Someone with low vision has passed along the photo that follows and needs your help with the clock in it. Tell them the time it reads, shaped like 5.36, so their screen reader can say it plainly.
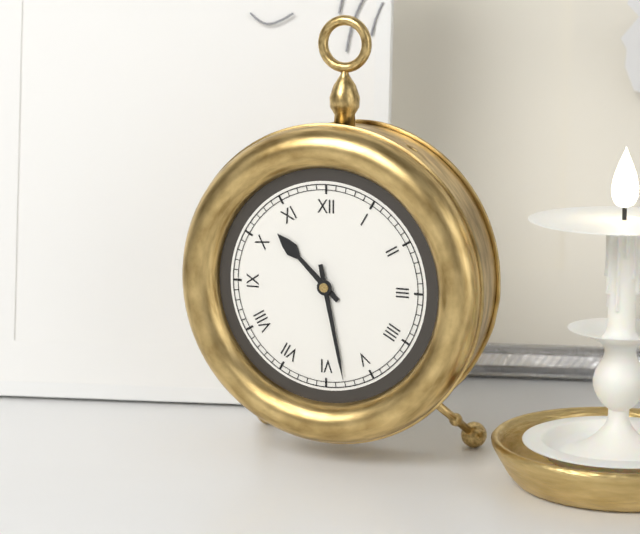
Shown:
10.28
